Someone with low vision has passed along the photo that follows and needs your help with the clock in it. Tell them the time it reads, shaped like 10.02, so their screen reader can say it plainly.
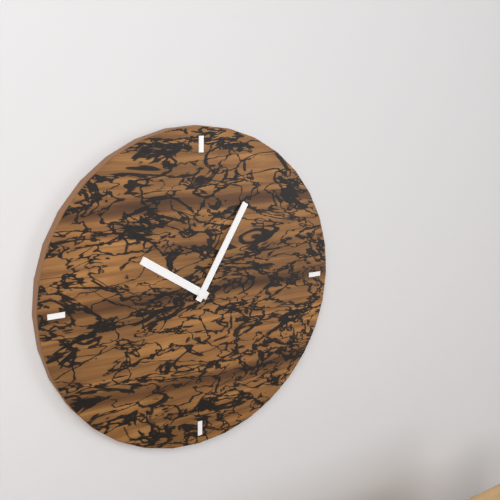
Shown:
10.05
